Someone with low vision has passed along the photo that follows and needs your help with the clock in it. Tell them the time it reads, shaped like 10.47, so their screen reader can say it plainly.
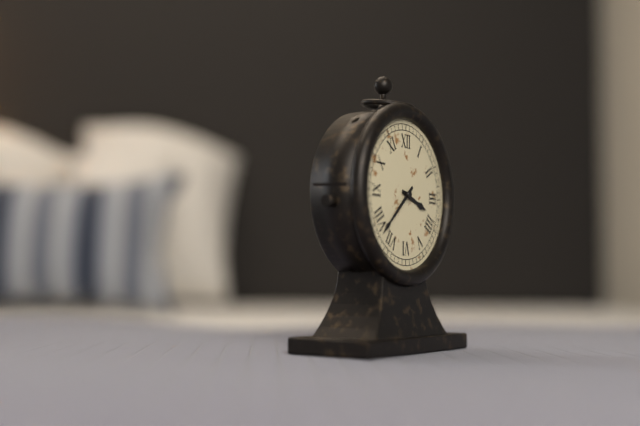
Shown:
3.38
